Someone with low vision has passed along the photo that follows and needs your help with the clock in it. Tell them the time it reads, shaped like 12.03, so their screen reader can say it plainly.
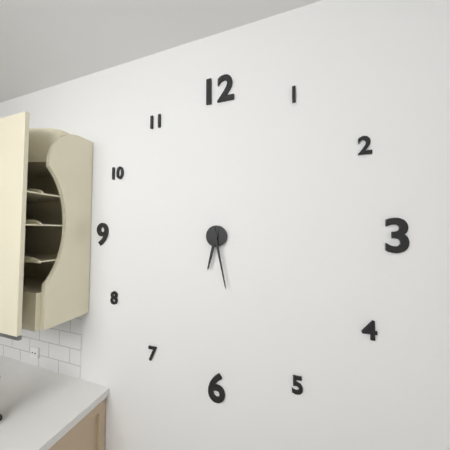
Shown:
6.28
